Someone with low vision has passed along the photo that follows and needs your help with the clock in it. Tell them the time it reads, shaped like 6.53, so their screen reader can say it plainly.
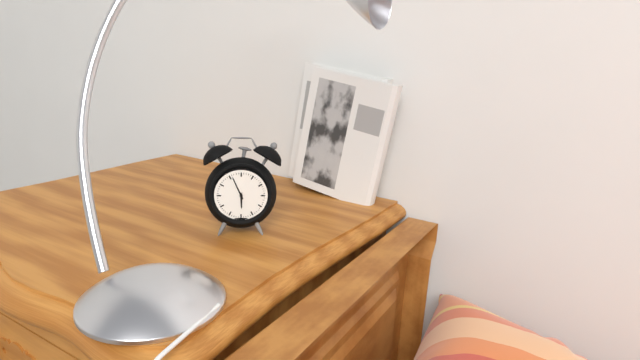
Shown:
5.56
